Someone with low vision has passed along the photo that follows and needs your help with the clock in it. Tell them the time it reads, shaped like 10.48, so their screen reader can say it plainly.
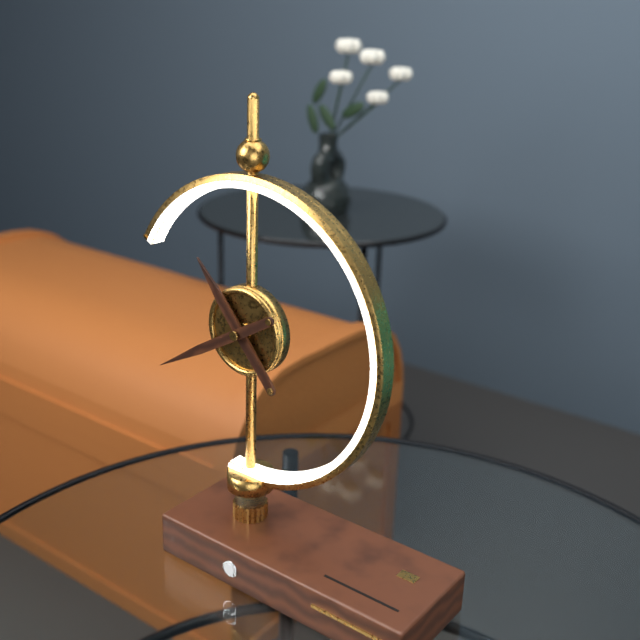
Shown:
10.40
